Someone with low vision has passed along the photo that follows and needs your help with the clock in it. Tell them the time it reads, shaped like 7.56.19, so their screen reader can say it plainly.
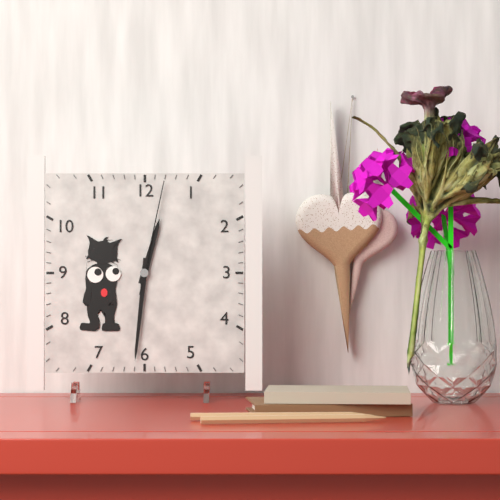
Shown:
12.31.02
